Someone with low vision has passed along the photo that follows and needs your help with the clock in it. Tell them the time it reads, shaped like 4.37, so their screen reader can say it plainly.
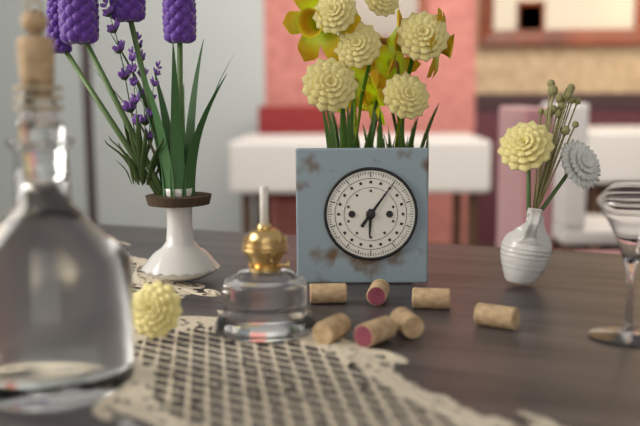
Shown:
6.06
